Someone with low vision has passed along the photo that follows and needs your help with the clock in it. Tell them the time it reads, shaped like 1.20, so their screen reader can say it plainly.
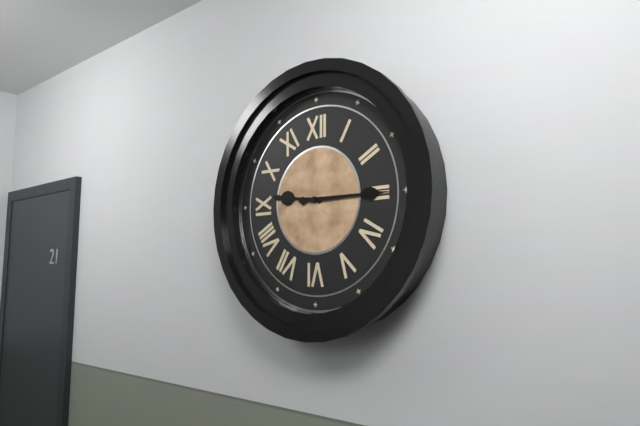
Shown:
9.15
